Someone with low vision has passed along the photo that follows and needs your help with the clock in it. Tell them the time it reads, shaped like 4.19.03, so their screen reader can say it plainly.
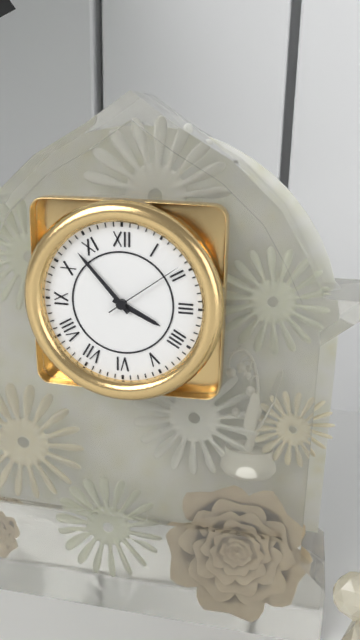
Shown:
3.53.09
